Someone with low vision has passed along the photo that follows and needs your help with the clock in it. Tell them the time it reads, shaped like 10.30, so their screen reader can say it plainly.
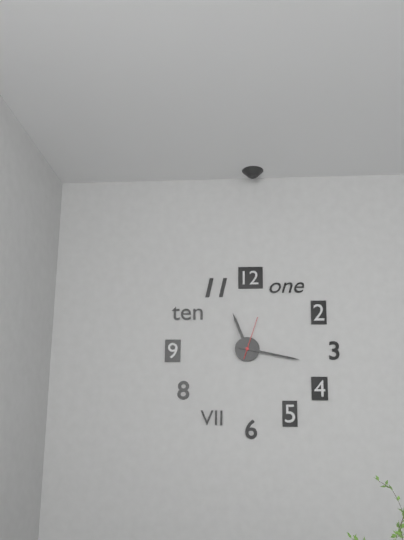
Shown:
11.17
